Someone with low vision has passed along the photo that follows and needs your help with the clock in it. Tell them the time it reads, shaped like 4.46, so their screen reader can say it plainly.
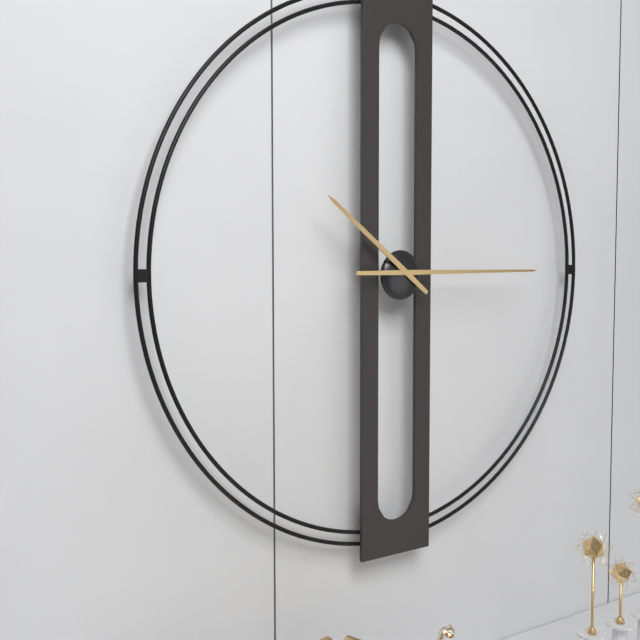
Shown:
10.15
